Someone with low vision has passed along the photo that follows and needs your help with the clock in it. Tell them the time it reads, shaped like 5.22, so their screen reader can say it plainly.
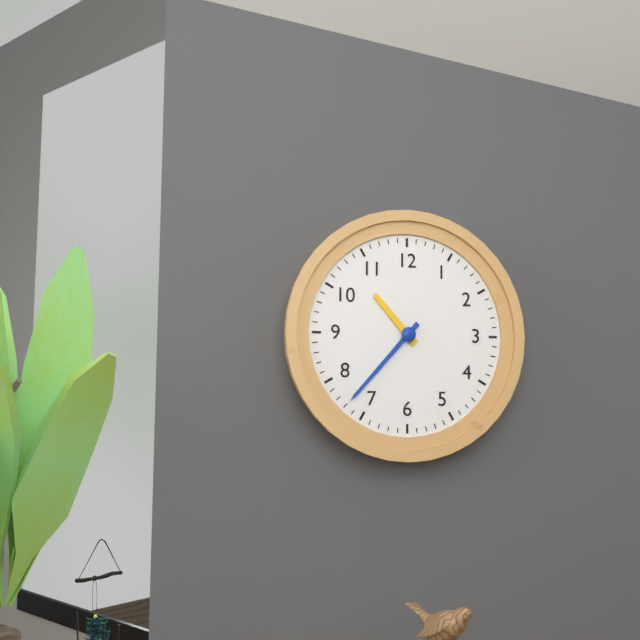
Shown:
10.37
